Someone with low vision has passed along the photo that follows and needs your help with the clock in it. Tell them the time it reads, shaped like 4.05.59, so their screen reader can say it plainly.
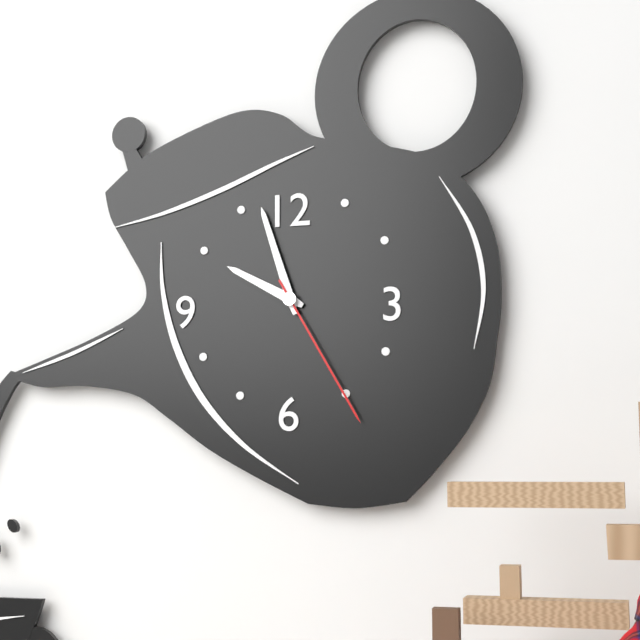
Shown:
9.57.25
